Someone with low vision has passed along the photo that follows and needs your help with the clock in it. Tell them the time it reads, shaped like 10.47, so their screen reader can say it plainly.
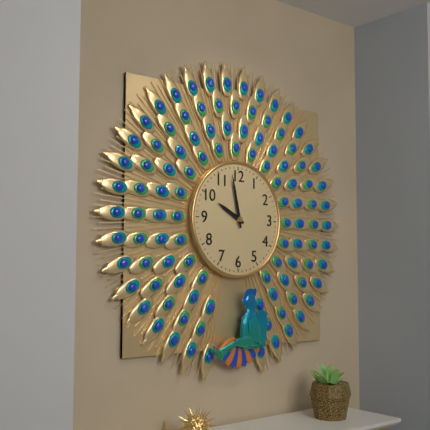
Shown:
9.58
